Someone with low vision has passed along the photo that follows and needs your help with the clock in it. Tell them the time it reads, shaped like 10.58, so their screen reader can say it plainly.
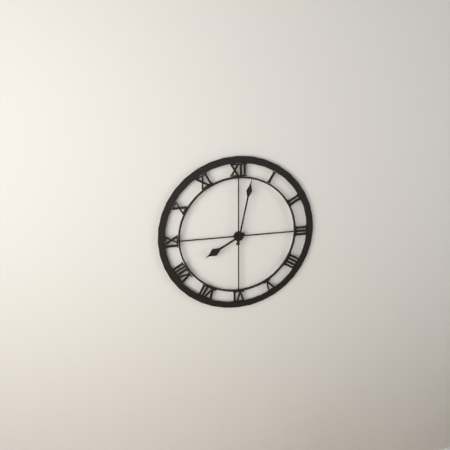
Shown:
8.02
